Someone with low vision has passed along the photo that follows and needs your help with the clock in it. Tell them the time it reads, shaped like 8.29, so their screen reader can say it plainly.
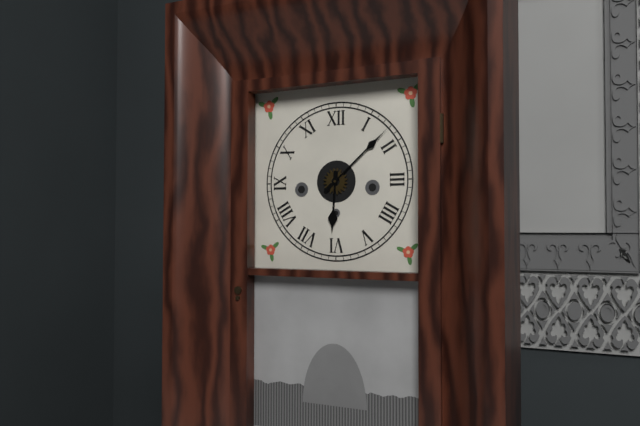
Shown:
6.08
